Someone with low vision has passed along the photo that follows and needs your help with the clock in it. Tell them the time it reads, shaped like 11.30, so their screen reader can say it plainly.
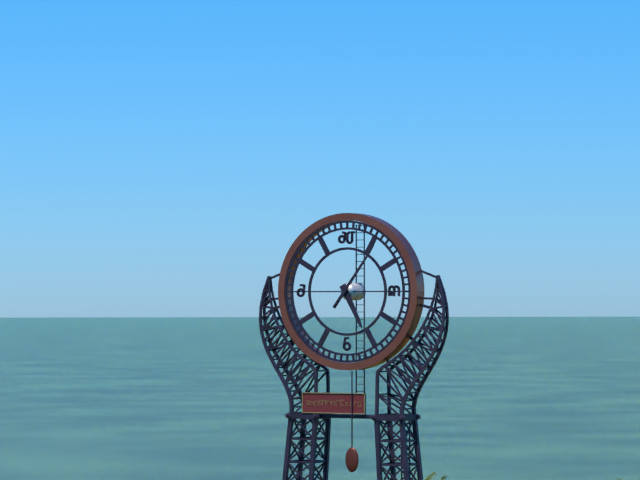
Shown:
5.06
